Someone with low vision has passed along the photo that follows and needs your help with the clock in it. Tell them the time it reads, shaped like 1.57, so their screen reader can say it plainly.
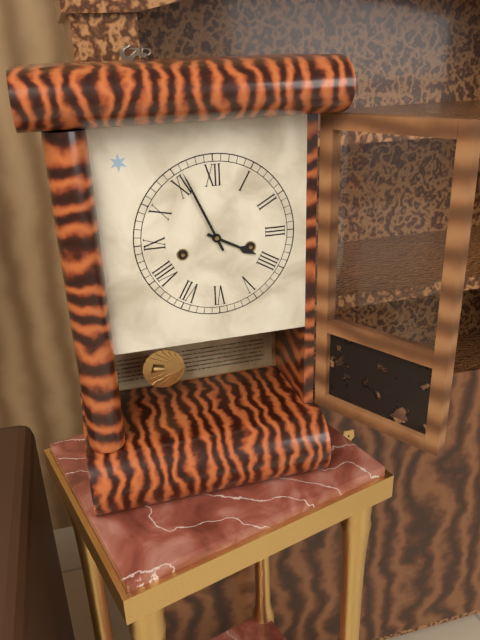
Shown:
3.56
